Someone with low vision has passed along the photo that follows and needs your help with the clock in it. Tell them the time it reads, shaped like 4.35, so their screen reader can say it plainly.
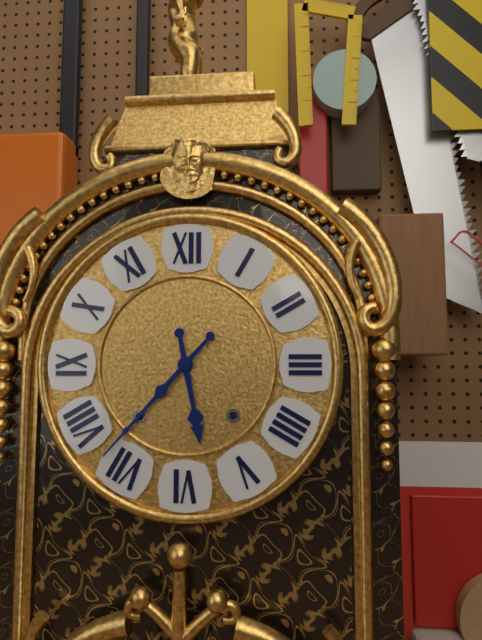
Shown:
5.37
